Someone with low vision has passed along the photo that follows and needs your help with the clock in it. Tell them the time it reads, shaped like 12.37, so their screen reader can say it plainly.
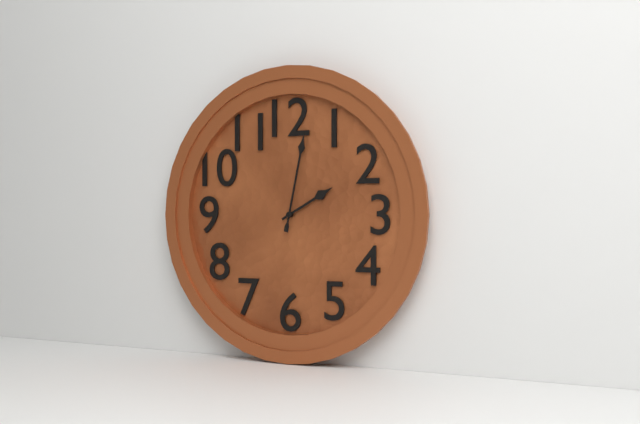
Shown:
2.02
